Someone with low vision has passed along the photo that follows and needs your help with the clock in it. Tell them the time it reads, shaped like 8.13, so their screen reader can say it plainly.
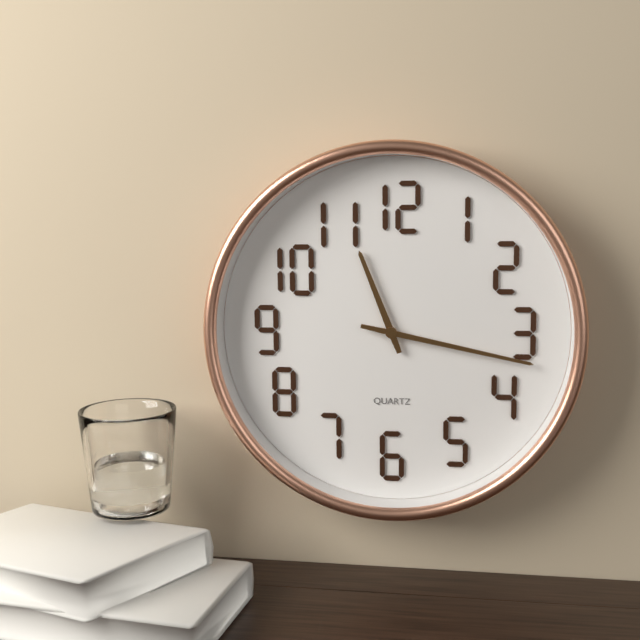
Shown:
11.17
